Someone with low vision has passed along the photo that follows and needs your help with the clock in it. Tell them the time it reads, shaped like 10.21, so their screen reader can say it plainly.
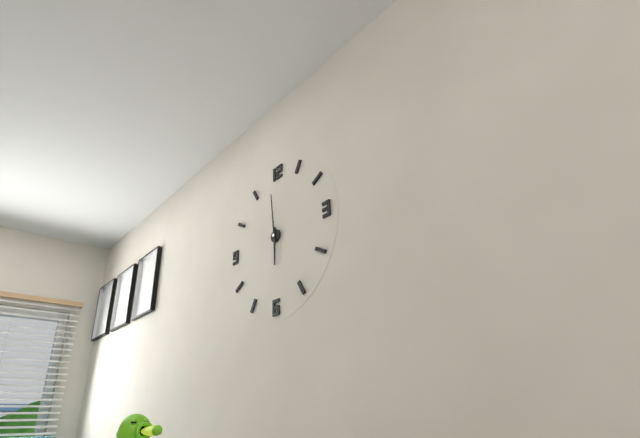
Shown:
5.59
